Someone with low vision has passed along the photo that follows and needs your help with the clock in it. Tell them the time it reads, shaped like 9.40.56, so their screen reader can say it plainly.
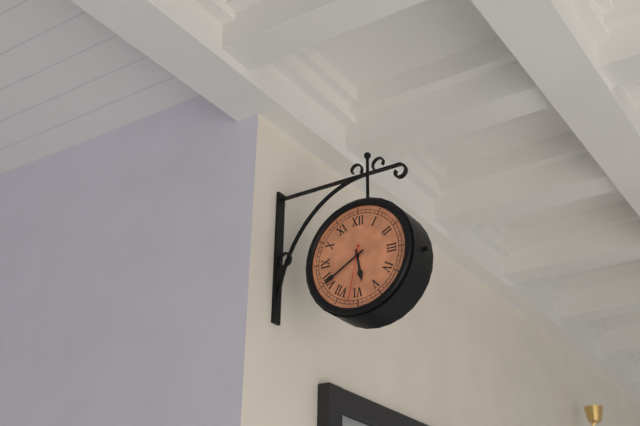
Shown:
5.40.32
